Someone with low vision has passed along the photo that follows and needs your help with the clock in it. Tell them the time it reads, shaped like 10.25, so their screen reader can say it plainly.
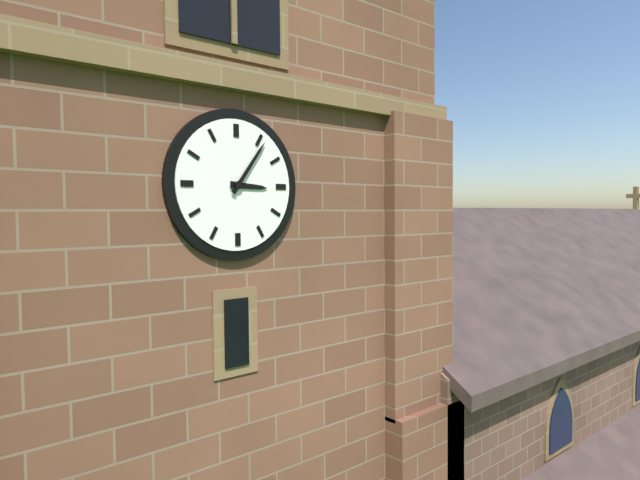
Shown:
3.06
